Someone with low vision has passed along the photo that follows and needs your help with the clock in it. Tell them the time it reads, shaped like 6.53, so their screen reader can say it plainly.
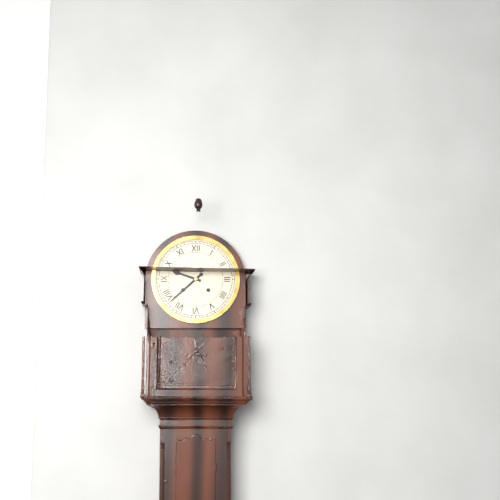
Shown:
9.38
